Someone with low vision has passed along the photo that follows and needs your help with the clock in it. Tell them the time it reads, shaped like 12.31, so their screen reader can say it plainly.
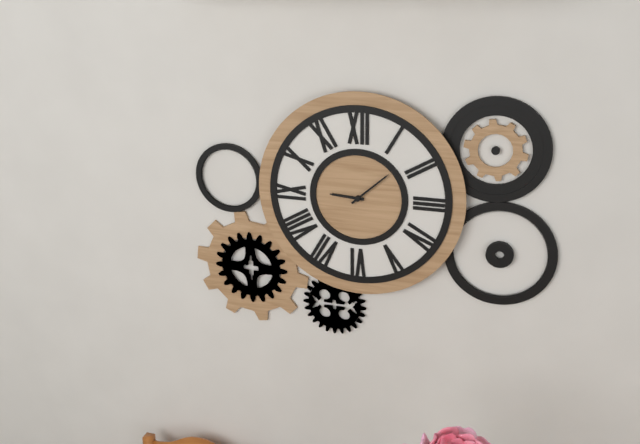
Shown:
9.08
